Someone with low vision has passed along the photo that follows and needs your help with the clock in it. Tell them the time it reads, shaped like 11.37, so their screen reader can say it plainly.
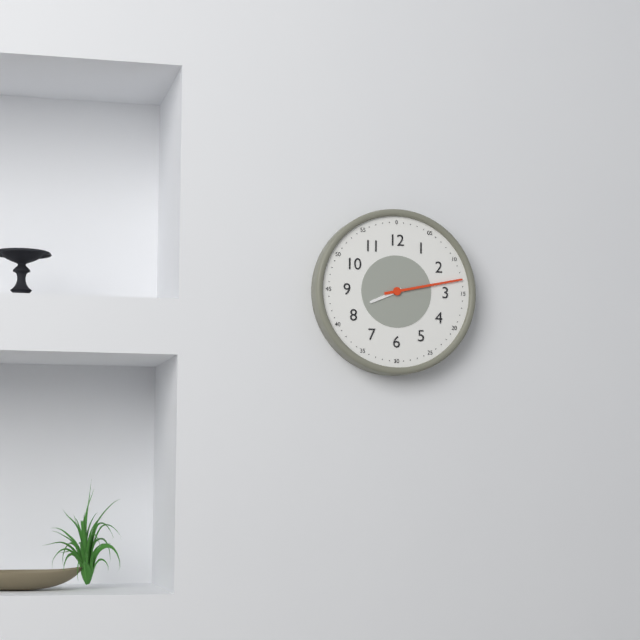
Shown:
8.13
